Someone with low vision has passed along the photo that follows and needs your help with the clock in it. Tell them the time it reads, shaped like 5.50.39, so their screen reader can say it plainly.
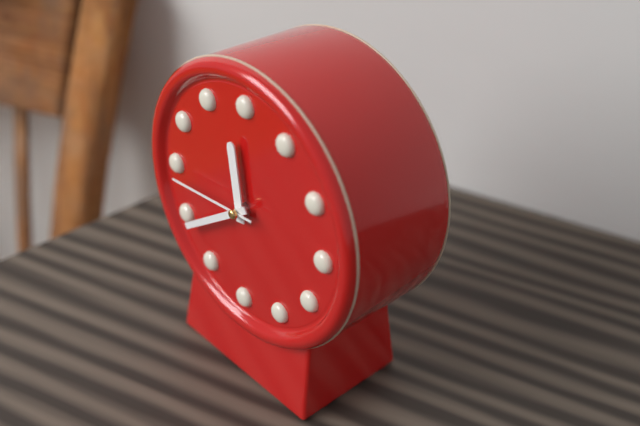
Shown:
11.39.44
